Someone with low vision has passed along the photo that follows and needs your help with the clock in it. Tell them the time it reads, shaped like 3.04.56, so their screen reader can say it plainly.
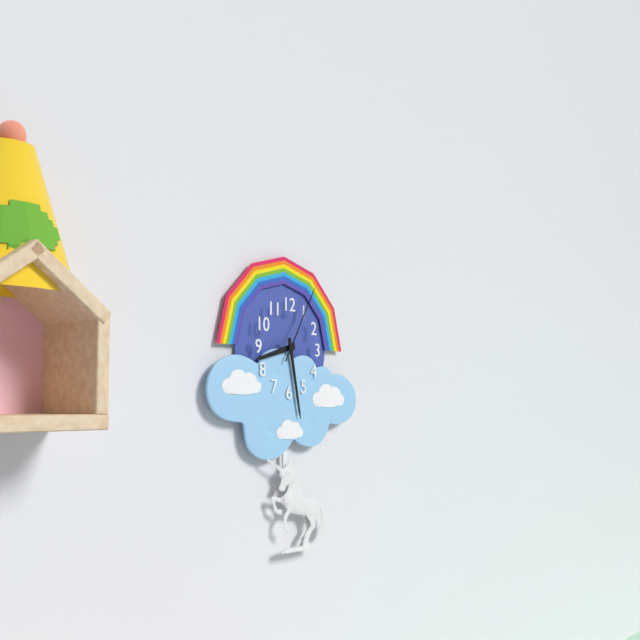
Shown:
8.28.05
